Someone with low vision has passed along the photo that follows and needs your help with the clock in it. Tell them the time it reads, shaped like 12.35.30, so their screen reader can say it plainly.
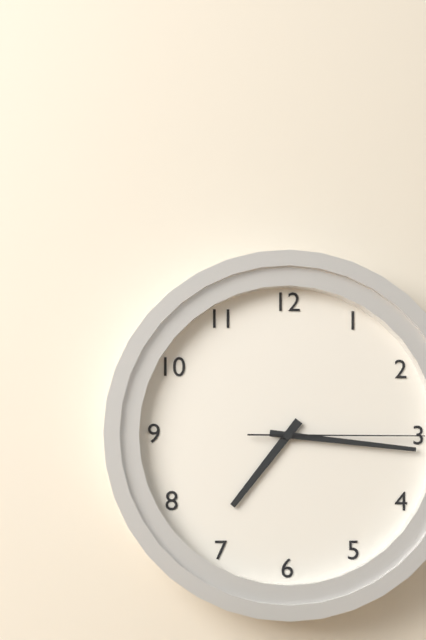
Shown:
7.16.15
